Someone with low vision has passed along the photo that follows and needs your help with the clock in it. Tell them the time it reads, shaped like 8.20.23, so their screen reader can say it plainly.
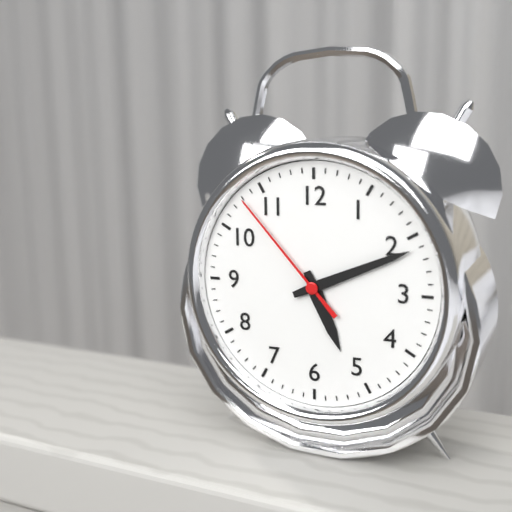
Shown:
5.11.53
